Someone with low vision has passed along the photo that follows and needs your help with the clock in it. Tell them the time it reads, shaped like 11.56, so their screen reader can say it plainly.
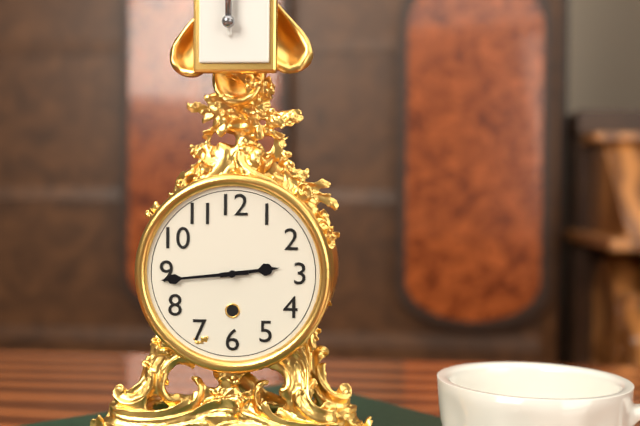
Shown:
2.44
